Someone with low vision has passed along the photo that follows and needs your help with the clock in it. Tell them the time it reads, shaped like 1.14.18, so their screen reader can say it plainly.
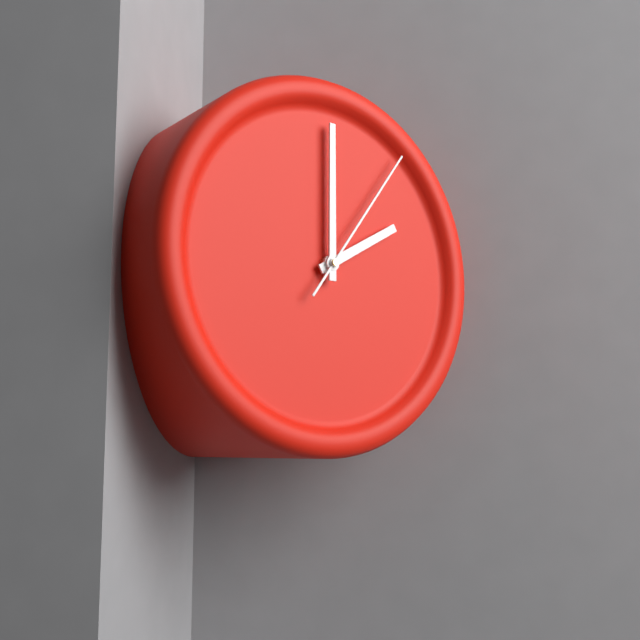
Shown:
2.00.06
